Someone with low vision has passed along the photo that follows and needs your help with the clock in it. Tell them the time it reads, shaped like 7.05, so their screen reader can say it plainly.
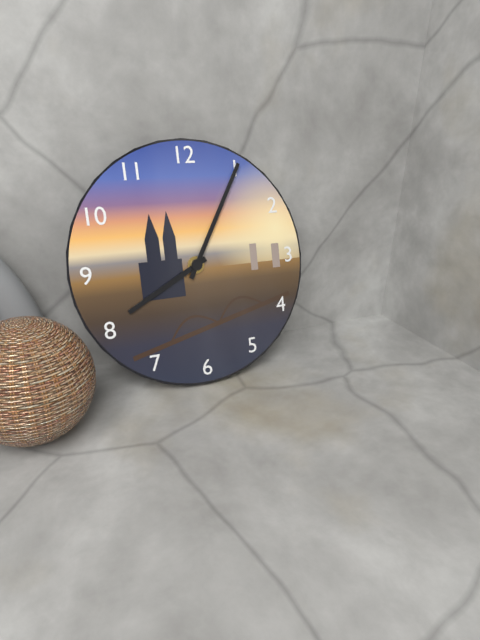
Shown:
8.05
